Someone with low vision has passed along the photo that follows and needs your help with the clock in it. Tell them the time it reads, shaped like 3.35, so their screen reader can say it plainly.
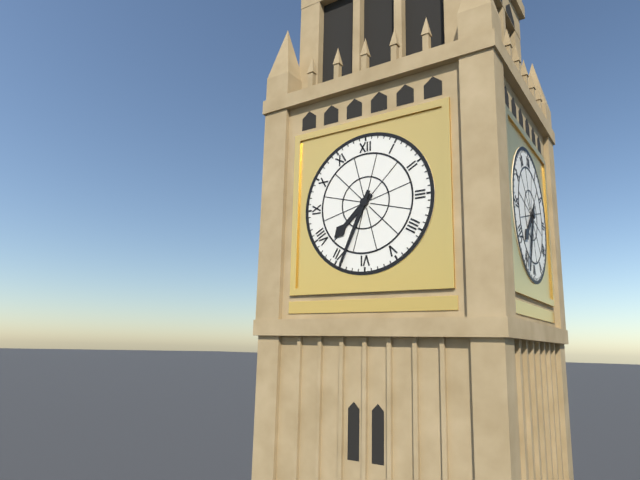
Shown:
7.34
